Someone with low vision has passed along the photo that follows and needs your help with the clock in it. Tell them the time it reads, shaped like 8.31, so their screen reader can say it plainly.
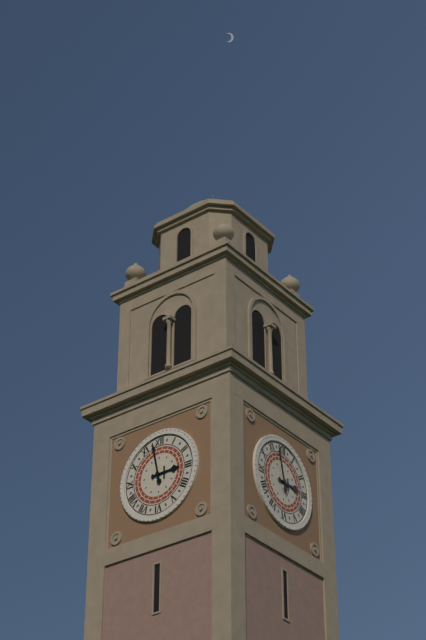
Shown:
2.58
